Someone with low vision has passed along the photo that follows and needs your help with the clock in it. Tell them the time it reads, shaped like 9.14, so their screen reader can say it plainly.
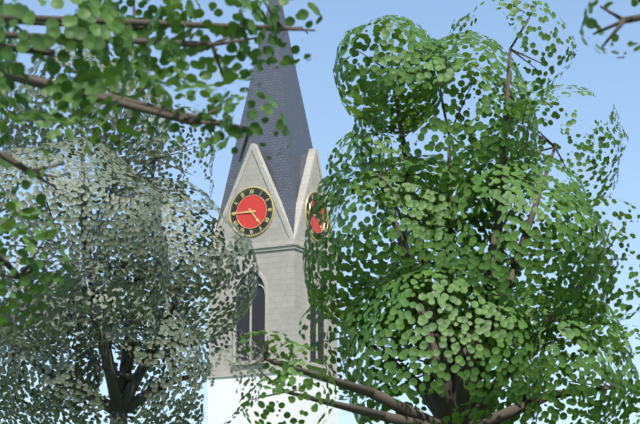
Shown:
4.45
